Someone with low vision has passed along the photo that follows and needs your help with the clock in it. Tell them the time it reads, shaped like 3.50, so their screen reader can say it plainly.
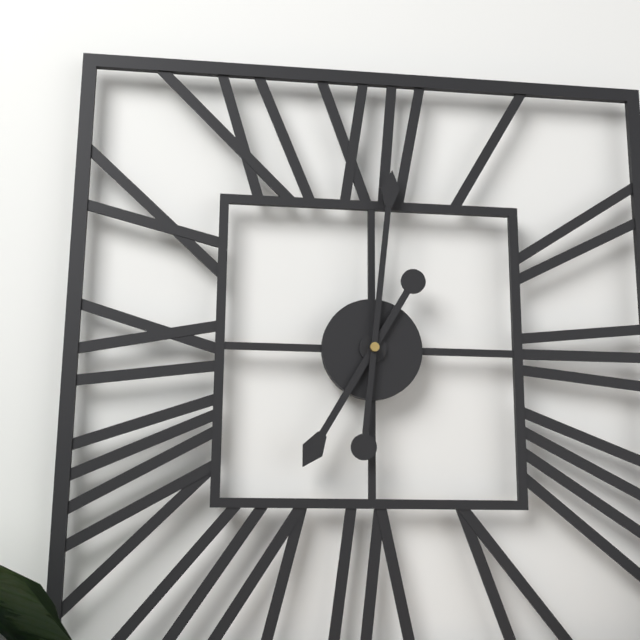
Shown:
7.01
